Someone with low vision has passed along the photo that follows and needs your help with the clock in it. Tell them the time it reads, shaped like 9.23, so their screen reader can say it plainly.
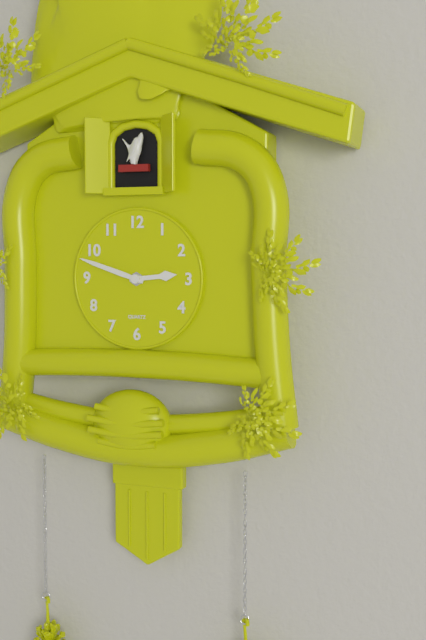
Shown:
2.48
